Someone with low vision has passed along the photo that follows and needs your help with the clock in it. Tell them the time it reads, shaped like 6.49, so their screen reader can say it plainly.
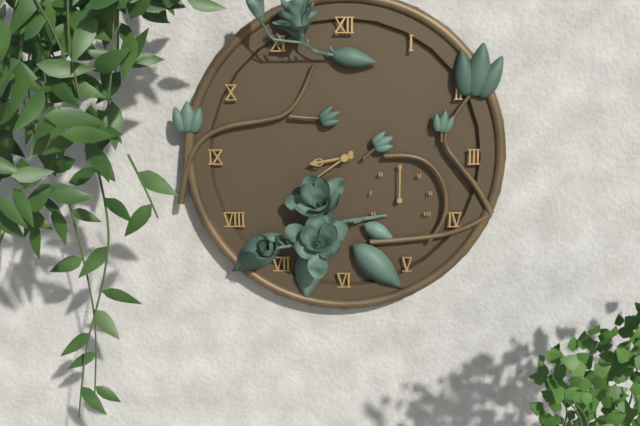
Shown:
8.39
